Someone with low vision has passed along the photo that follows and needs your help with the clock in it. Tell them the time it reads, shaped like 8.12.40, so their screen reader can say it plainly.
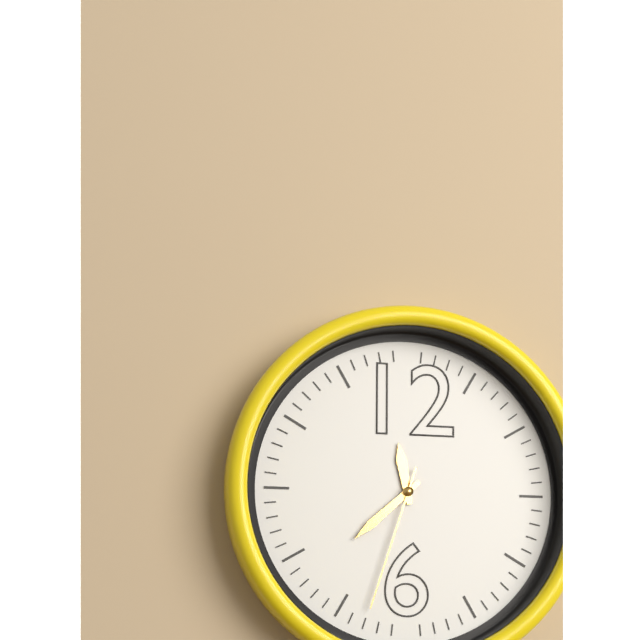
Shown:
11.38.33
